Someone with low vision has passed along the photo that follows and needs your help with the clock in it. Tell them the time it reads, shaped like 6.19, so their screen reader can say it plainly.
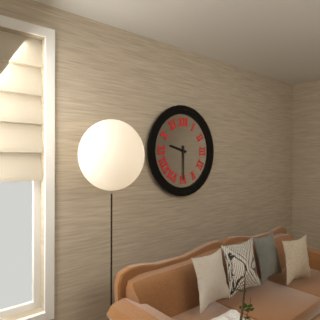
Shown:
9.30
